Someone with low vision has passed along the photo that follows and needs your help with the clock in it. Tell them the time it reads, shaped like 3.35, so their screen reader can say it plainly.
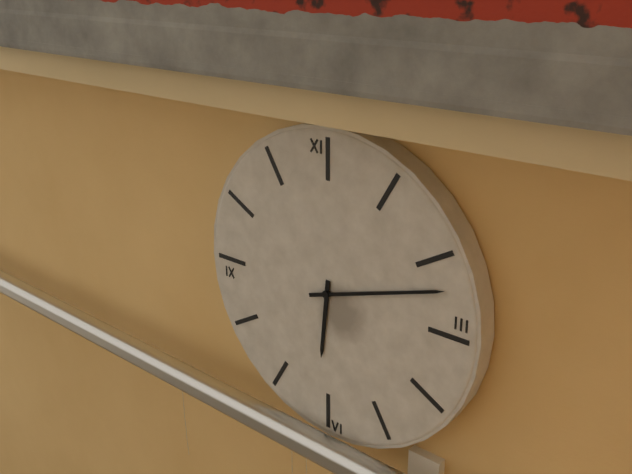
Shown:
6.12
